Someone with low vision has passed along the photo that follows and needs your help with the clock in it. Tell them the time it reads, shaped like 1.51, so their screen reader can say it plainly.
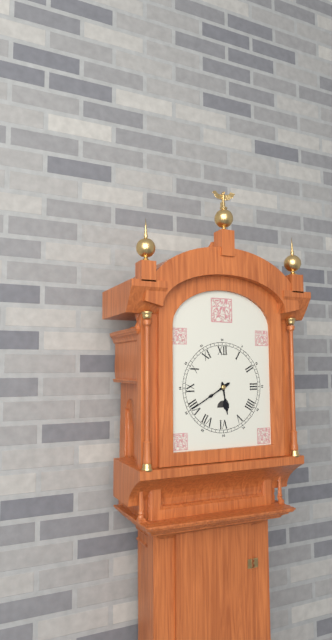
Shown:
5.40
